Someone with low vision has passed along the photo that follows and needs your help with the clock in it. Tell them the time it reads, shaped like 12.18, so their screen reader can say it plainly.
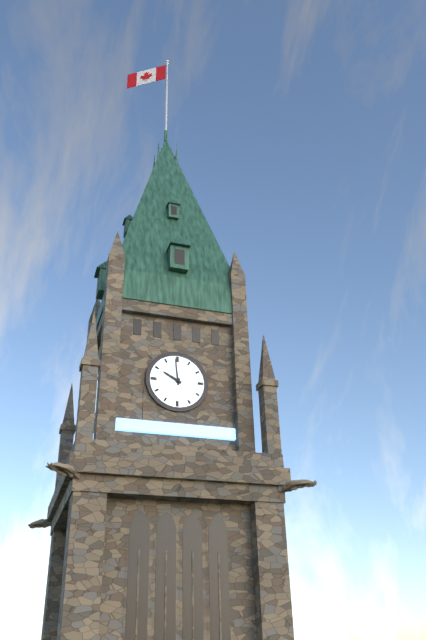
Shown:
9.59
